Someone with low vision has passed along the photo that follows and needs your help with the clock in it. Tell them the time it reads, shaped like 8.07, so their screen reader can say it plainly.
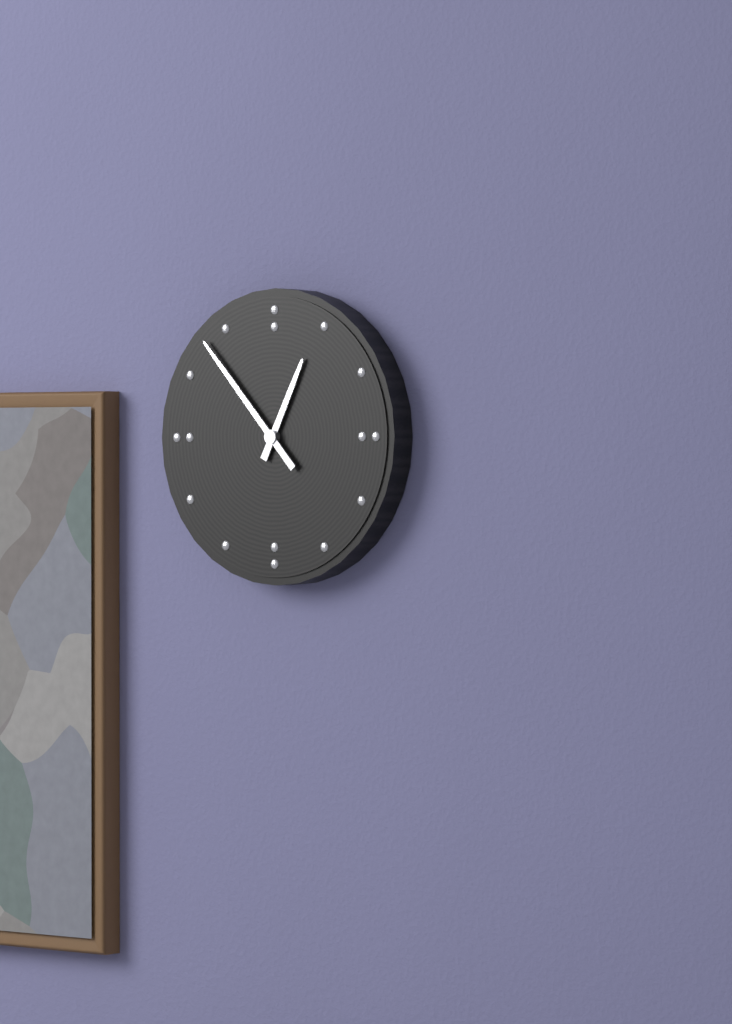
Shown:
12.53
